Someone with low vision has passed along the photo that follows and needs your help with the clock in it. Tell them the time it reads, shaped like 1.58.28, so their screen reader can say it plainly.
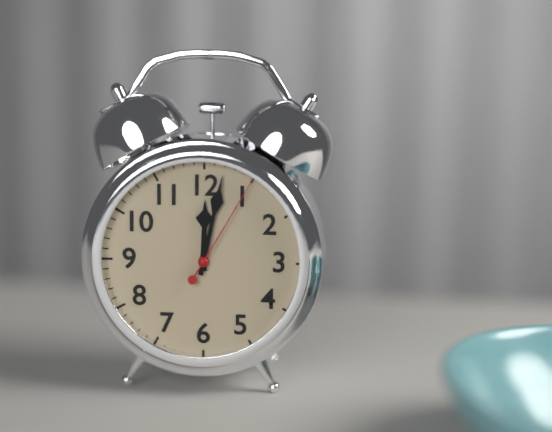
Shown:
12.02.05
